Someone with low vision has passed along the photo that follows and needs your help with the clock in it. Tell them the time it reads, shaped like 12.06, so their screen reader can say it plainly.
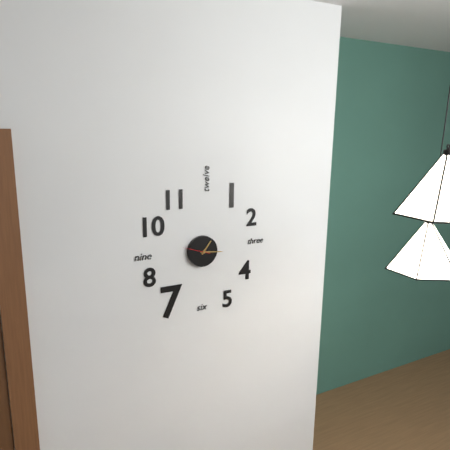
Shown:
1.16
